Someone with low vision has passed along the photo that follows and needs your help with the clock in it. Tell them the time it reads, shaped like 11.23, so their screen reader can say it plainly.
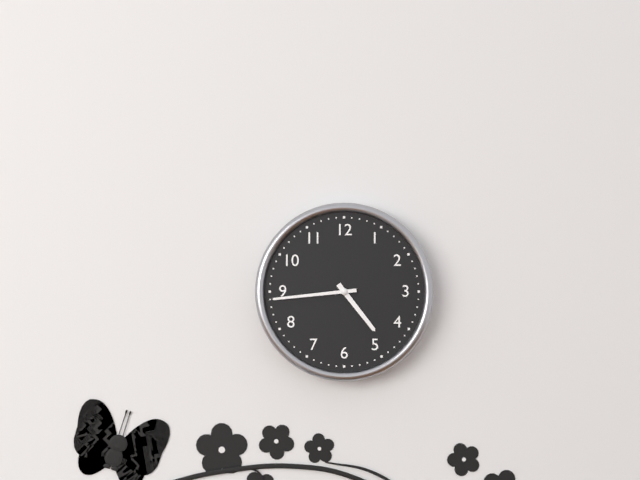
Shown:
4.44
